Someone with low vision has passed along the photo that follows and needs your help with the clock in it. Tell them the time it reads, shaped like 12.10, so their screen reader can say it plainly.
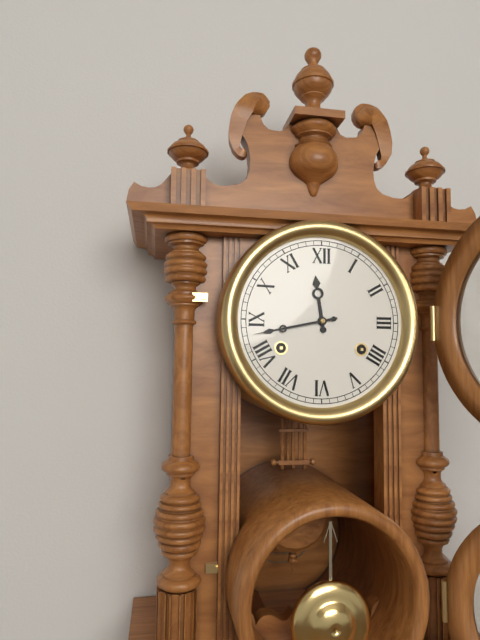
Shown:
11.43
